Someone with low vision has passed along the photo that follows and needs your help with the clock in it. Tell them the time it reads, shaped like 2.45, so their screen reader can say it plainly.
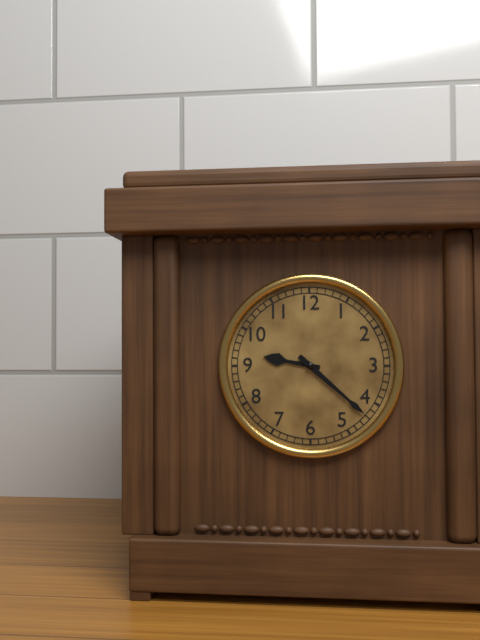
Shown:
9.22
